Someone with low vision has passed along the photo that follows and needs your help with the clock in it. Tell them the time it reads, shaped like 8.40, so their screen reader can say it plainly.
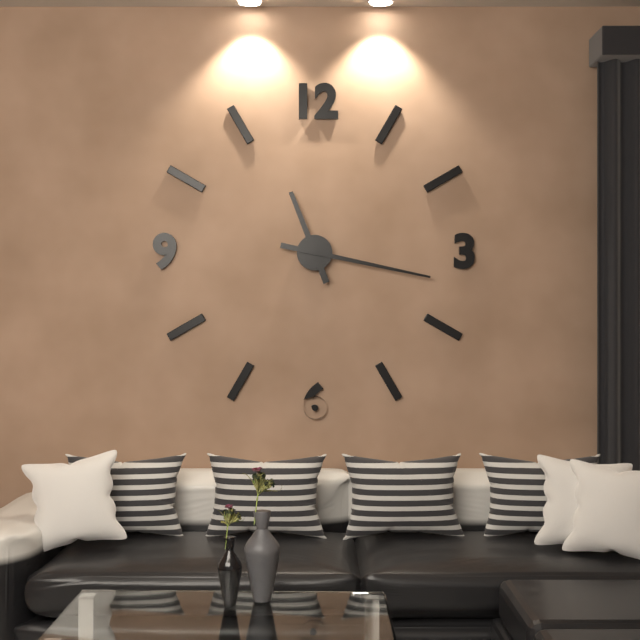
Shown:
11.17
